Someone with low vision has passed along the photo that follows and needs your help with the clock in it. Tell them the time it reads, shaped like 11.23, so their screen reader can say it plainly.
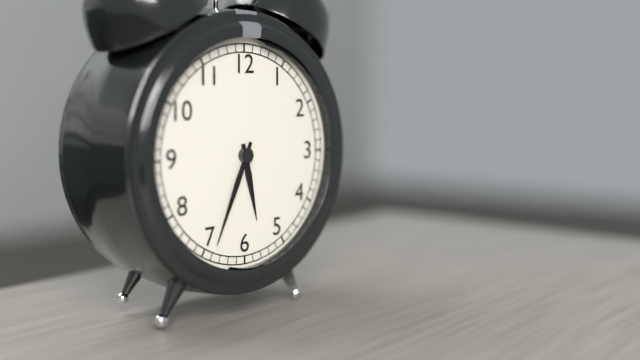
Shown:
5.34
